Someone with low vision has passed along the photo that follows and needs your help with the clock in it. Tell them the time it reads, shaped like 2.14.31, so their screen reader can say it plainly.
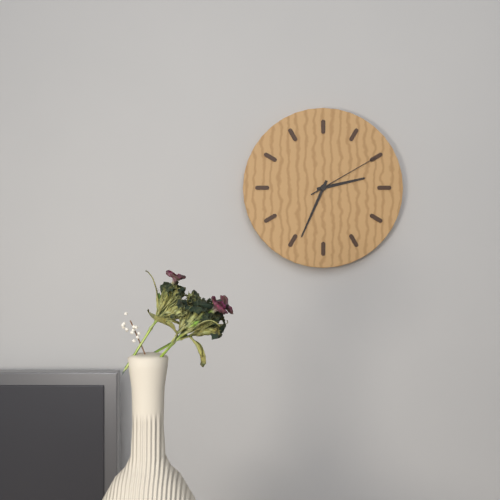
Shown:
2.34.10
